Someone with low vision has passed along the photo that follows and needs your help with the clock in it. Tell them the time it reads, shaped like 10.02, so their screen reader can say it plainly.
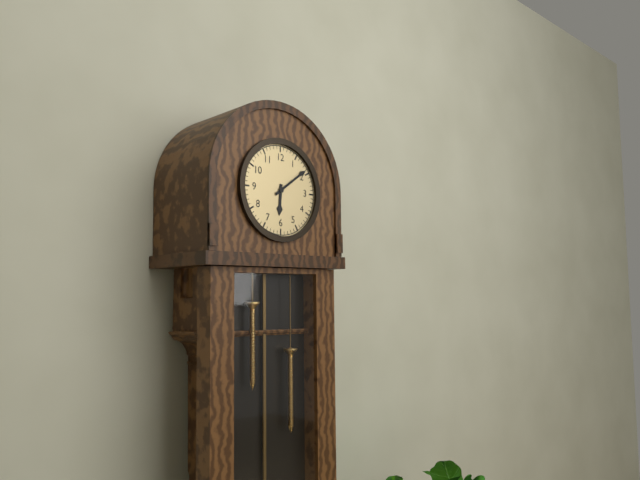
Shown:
6.09
